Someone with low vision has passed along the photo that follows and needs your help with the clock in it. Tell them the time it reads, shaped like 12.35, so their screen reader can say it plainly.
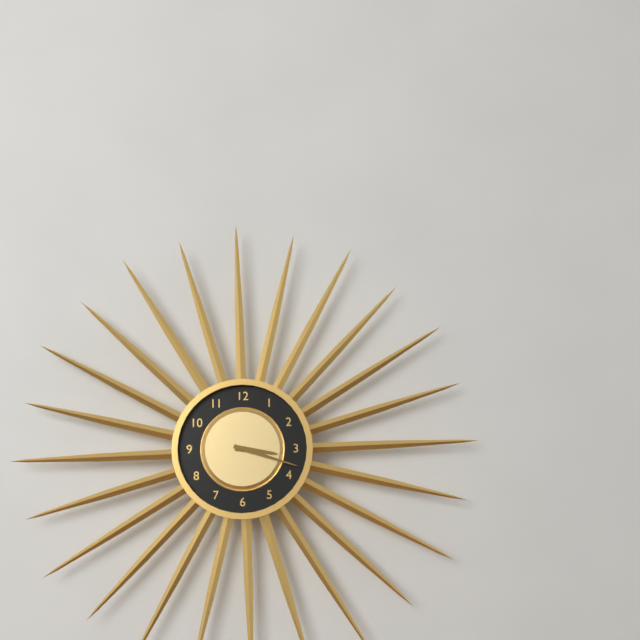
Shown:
3.18
